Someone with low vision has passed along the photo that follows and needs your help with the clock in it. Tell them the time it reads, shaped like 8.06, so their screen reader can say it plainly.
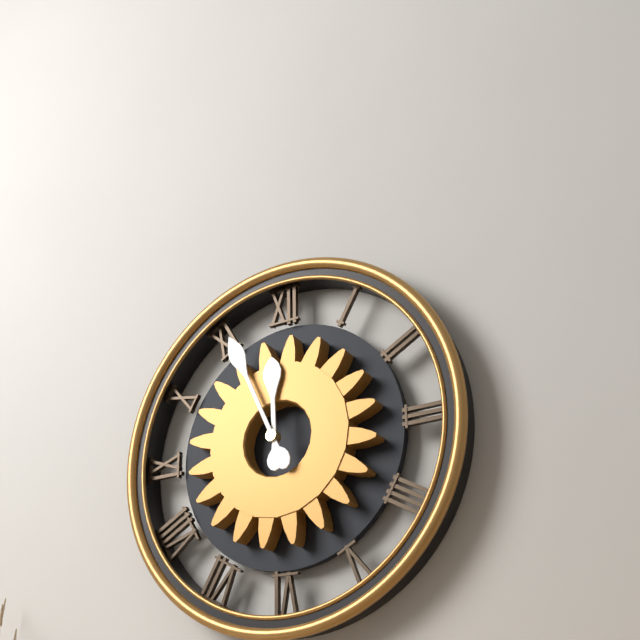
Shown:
11.56
